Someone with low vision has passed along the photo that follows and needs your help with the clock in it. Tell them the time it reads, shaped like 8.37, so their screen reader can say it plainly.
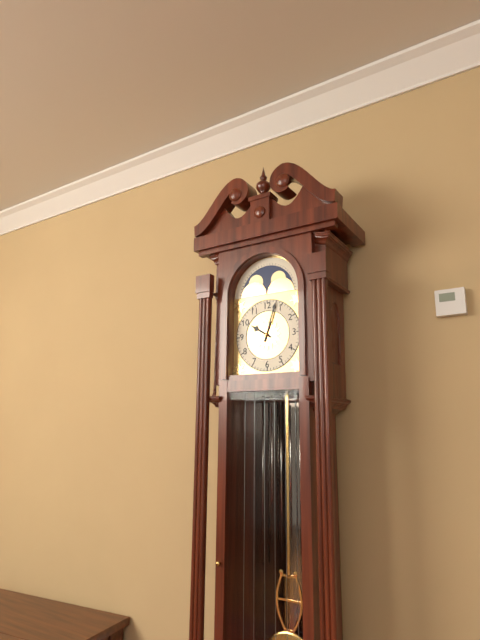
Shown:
10.03
